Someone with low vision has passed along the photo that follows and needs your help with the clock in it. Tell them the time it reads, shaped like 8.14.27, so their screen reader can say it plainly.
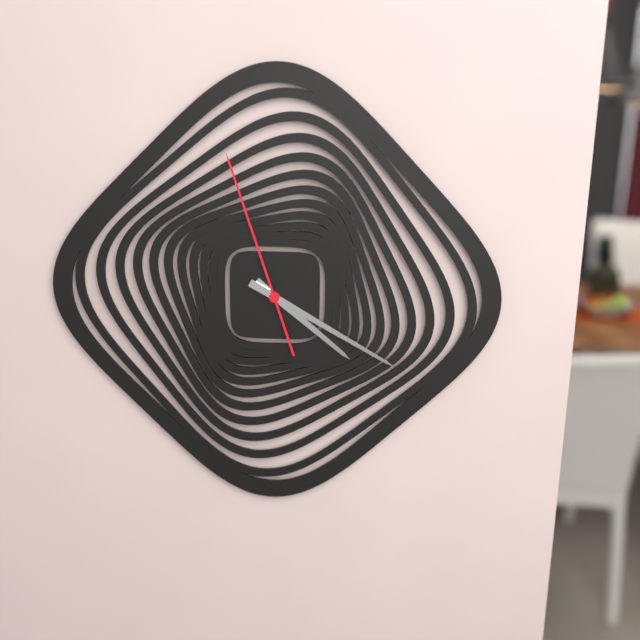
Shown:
4.20.57
